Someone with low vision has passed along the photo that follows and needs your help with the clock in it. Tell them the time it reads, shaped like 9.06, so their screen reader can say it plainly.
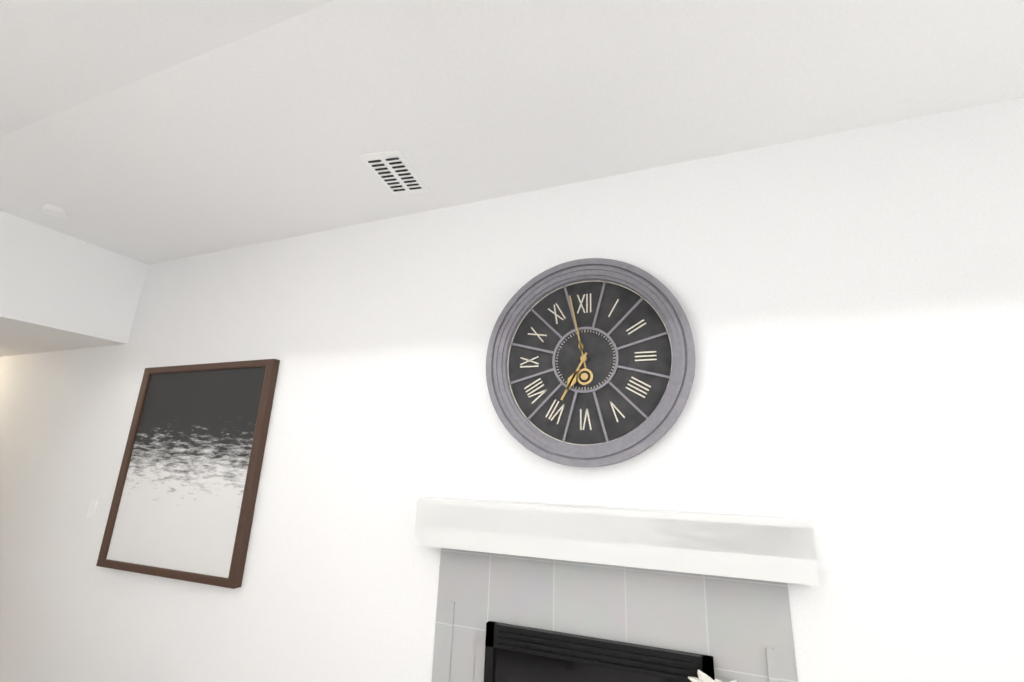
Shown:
6.58
